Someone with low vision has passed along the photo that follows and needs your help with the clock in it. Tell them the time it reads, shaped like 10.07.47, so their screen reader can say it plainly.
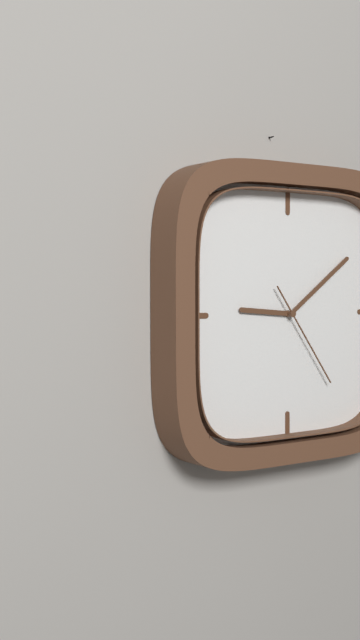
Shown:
9.09.24
